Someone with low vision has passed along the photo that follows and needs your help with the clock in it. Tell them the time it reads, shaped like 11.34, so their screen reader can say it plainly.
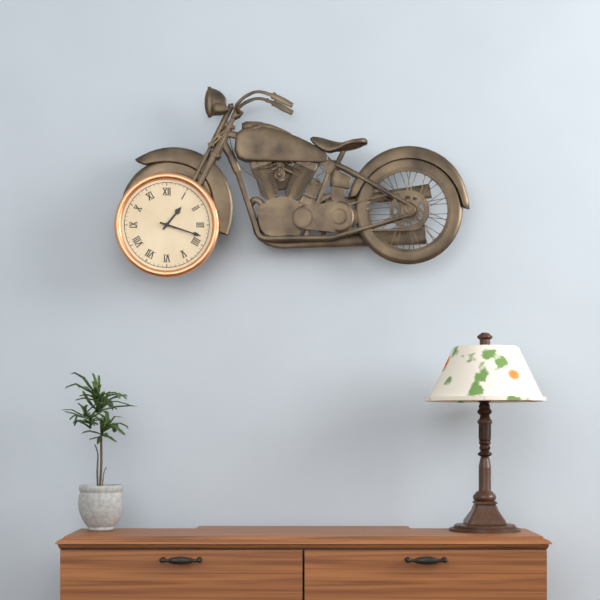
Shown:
1.18
